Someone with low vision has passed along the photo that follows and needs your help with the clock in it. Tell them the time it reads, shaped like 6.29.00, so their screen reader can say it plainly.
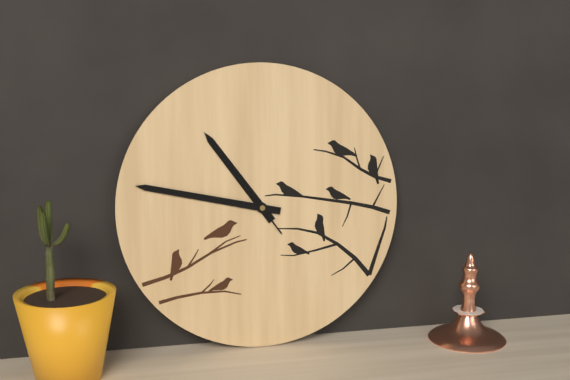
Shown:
10.47.54
